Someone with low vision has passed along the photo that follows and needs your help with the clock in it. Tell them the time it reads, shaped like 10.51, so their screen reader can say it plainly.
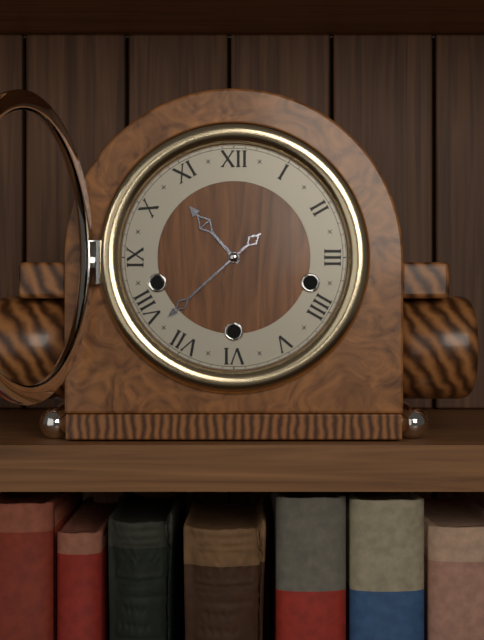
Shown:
10.38
